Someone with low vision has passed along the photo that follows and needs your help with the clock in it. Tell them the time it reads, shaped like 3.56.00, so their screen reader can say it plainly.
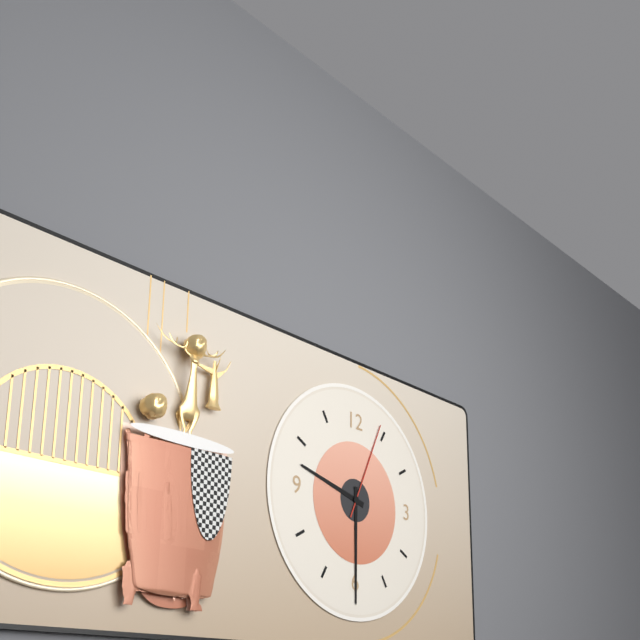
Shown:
9.30.04
